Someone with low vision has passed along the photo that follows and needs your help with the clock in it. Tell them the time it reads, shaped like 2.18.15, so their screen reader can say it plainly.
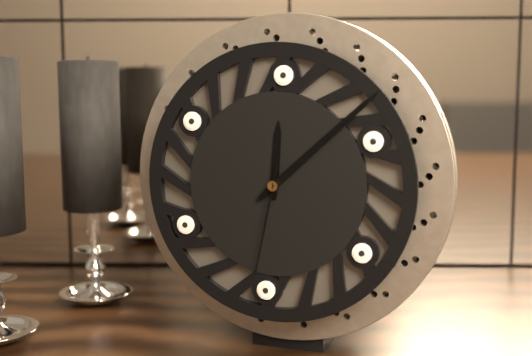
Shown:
12.08.32
